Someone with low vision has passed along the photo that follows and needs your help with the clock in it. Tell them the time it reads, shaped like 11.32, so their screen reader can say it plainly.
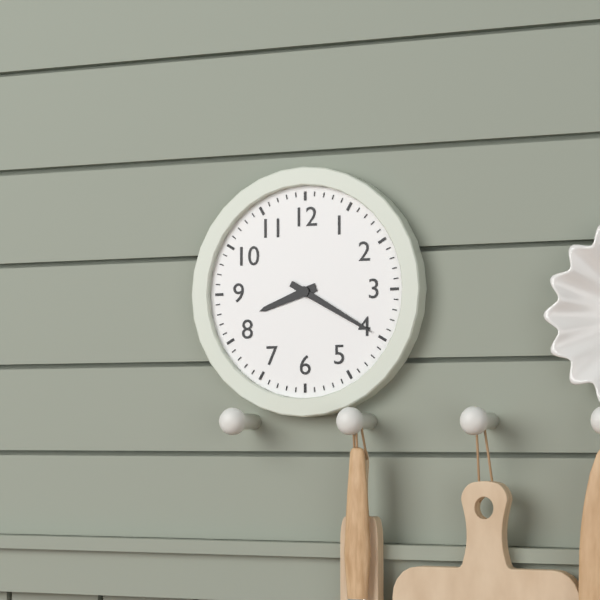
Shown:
8.20
